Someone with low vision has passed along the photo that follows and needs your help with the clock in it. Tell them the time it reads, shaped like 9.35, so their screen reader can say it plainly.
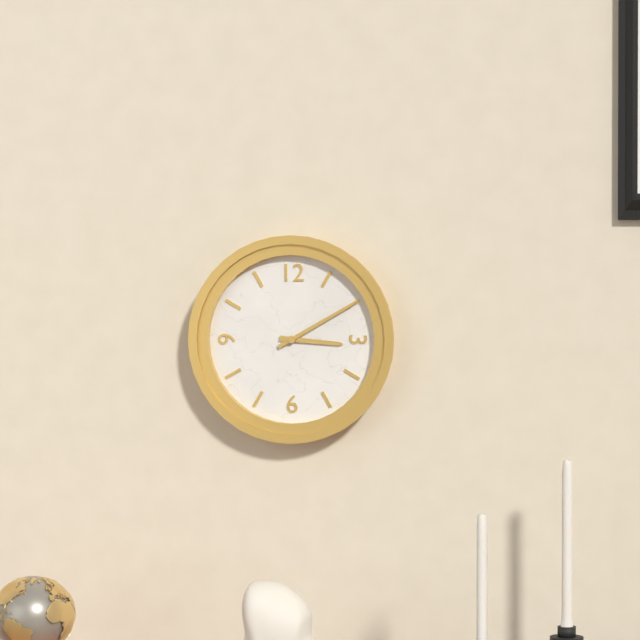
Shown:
3.10
